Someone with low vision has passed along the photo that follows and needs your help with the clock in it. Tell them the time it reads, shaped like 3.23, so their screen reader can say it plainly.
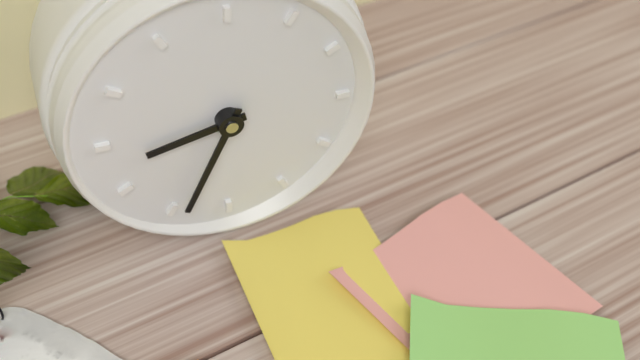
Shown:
8.34
